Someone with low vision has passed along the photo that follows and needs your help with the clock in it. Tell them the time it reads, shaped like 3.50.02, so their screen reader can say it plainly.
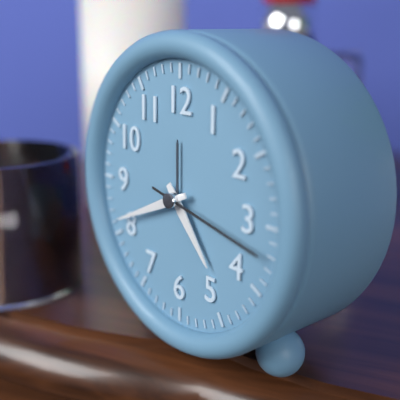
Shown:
4.41.17
